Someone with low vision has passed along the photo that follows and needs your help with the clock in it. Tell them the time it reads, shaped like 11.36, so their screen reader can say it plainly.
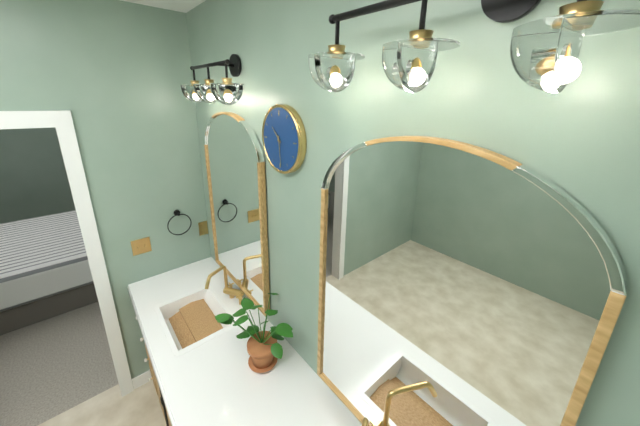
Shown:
10.29
